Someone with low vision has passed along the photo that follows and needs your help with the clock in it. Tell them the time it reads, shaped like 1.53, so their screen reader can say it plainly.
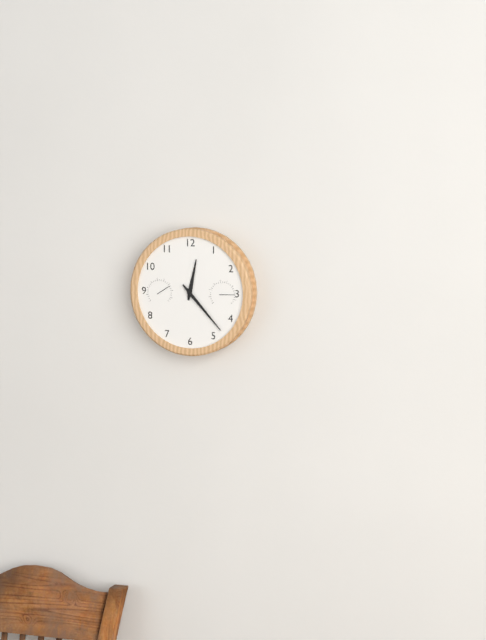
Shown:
12.23
